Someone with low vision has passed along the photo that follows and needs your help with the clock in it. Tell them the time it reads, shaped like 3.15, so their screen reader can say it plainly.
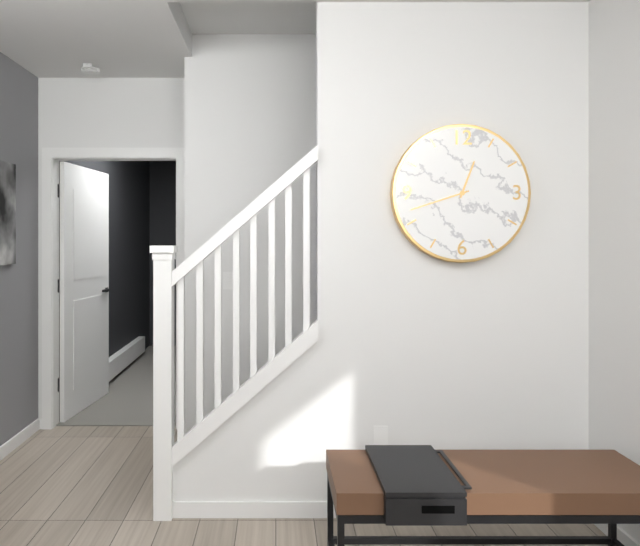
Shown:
12.42
